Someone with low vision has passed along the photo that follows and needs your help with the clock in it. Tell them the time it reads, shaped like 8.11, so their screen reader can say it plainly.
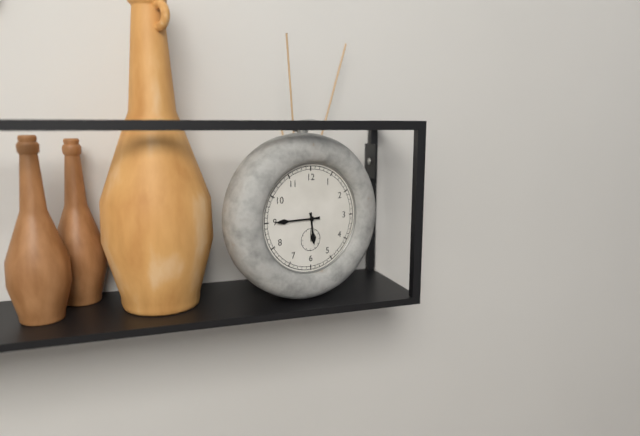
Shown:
5.45
